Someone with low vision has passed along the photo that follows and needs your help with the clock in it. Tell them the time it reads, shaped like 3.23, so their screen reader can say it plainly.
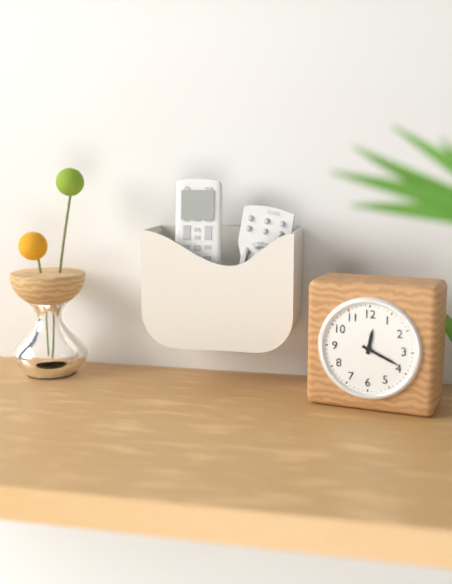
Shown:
12.19
